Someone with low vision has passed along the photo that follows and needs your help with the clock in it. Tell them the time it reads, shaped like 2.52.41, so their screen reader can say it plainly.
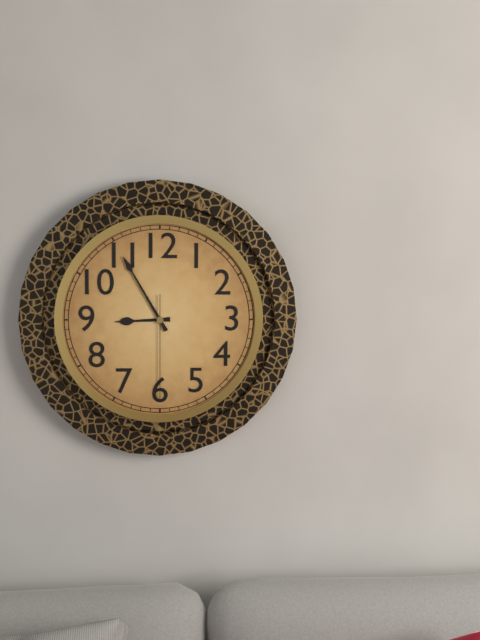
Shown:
8.55.30
